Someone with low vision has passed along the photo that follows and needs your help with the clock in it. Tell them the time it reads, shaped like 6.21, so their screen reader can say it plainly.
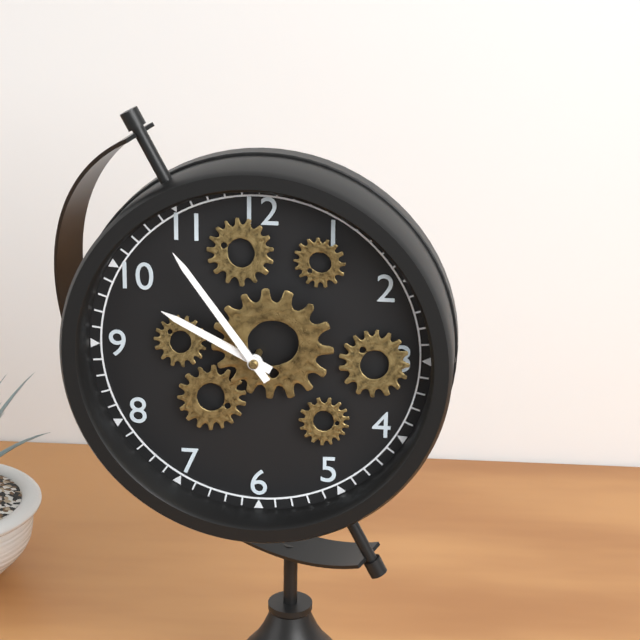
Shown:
9.54
